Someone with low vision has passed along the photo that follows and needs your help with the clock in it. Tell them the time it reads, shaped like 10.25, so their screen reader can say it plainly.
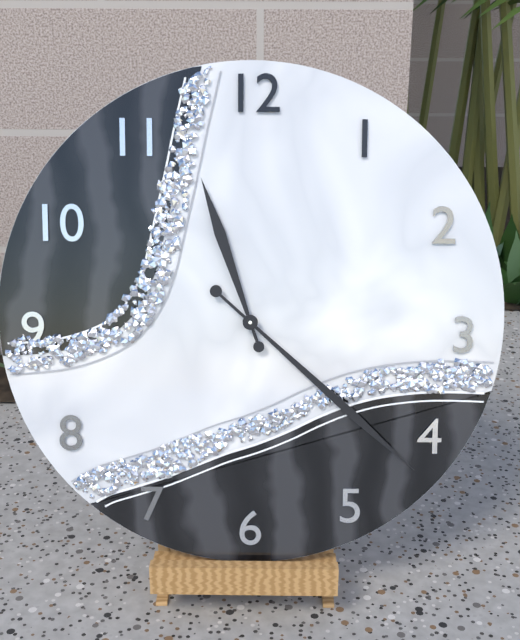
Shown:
11.22
